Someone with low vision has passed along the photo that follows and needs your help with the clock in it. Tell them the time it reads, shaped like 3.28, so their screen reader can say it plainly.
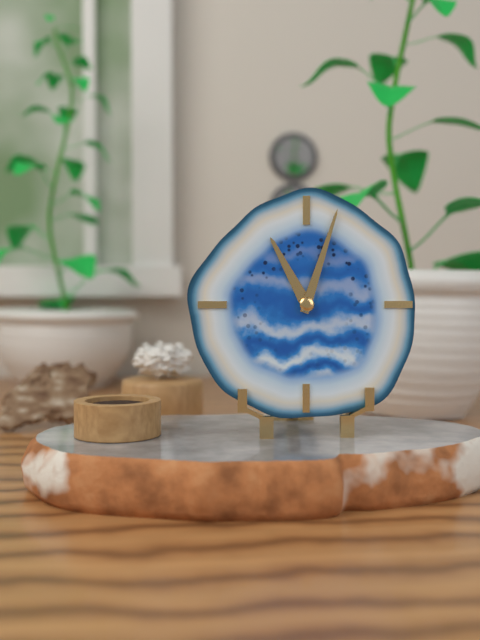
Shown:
11.03
